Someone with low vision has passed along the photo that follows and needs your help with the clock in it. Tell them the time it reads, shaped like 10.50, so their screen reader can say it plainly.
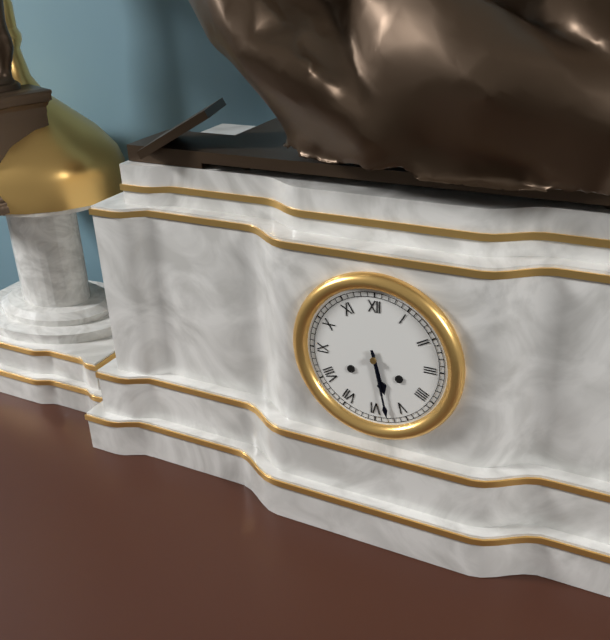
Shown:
5.28
